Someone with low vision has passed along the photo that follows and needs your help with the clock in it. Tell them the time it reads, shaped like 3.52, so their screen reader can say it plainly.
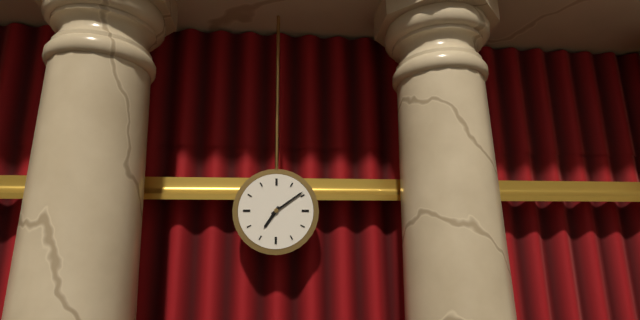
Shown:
7.09
